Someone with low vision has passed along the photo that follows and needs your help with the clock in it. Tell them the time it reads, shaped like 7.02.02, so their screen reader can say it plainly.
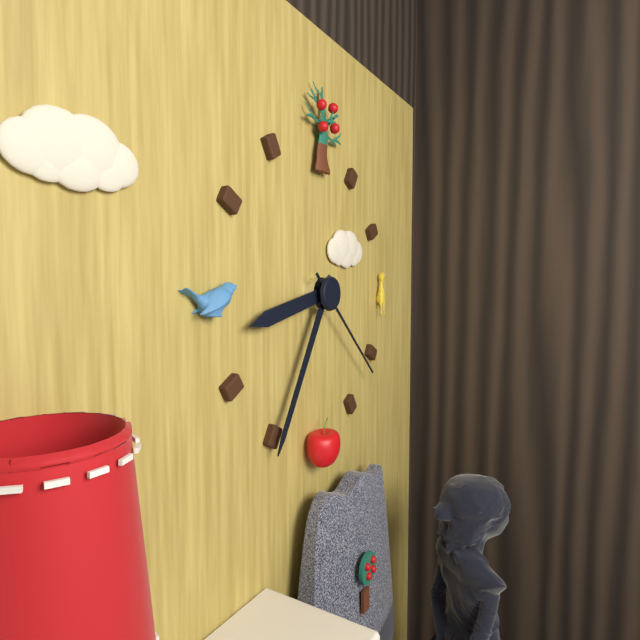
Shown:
8.35.22
